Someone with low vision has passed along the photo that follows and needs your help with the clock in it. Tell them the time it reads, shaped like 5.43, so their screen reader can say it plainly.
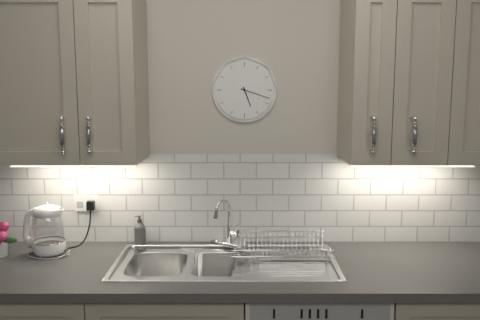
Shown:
5.18
